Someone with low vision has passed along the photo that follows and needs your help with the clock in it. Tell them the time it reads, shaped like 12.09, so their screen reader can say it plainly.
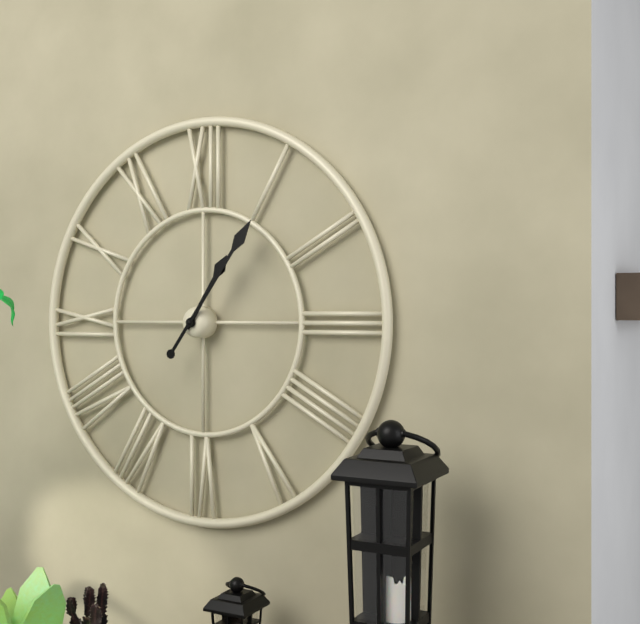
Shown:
1.06
